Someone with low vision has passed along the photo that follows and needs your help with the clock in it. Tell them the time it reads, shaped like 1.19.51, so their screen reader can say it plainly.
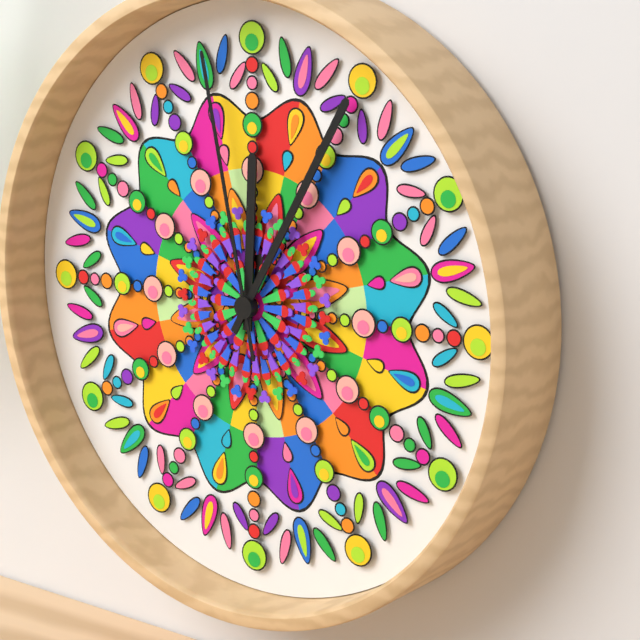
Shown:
12.05.58
